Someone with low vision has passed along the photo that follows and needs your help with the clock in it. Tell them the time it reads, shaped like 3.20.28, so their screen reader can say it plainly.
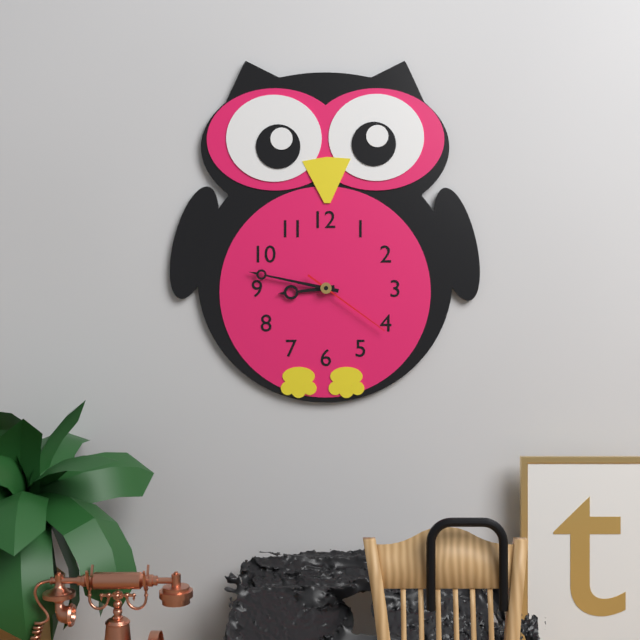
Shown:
8.47.21
